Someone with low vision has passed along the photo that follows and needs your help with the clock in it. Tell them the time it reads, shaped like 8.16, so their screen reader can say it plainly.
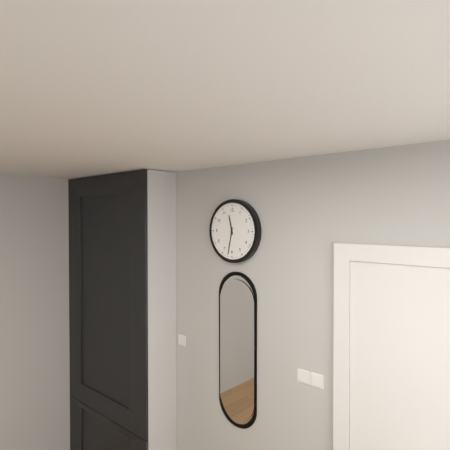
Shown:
11.32
